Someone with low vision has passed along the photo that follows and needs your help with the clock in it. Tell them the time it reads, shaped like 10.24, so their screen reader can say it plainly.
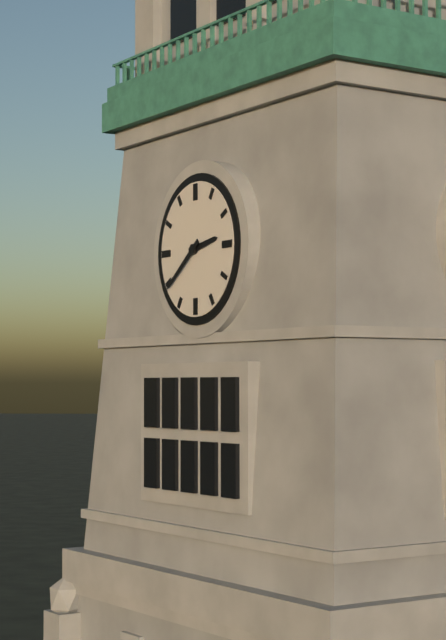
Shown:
2.39
